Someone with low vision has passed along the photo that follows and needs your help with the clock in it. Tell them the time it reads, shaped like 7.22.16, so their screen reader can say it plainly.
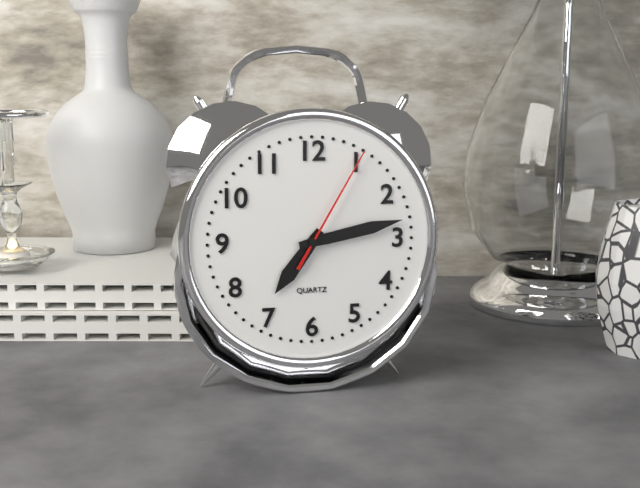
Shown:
7.13.05
